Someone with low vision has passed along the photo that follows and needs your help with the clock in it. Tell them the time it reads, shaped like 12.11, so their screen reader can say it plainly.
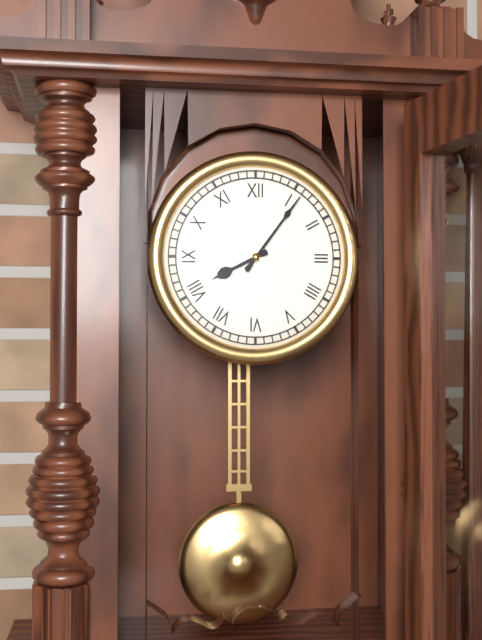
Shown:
8.06
